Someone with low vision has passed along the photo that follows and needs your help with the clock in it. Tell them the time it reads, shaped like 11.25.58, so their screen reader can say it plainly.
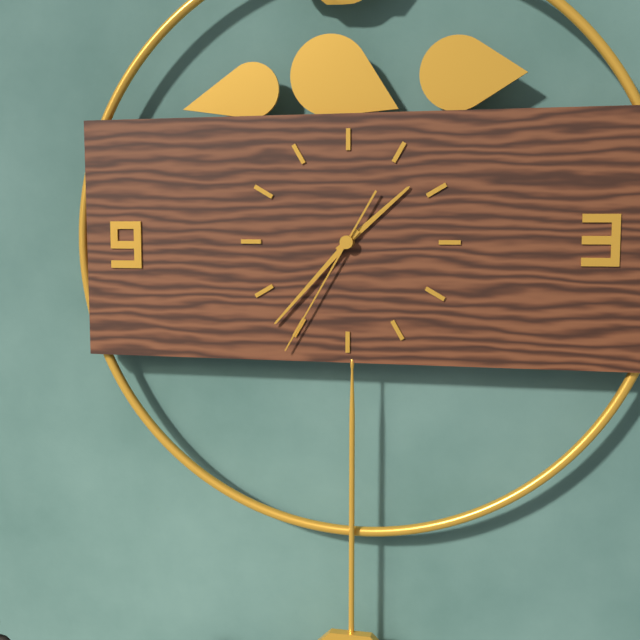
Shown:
1.37.35
